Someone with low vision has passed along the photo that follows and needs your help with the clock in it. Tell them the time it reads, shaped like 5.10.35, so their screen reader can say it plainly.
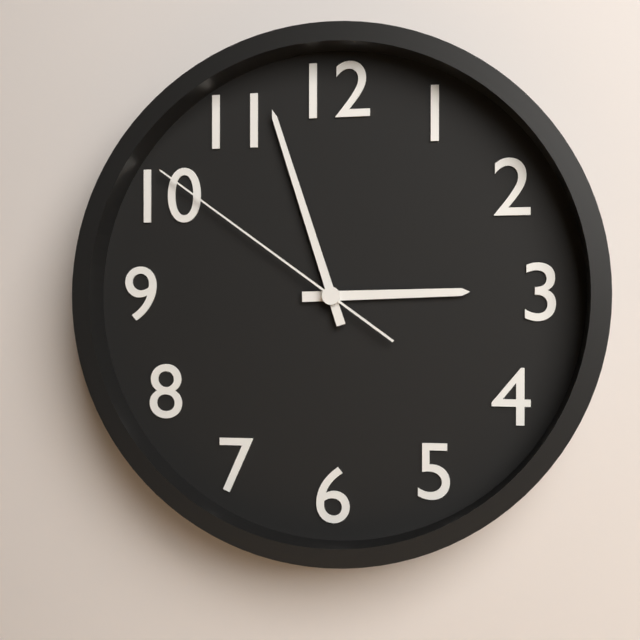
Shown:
2.57.51
